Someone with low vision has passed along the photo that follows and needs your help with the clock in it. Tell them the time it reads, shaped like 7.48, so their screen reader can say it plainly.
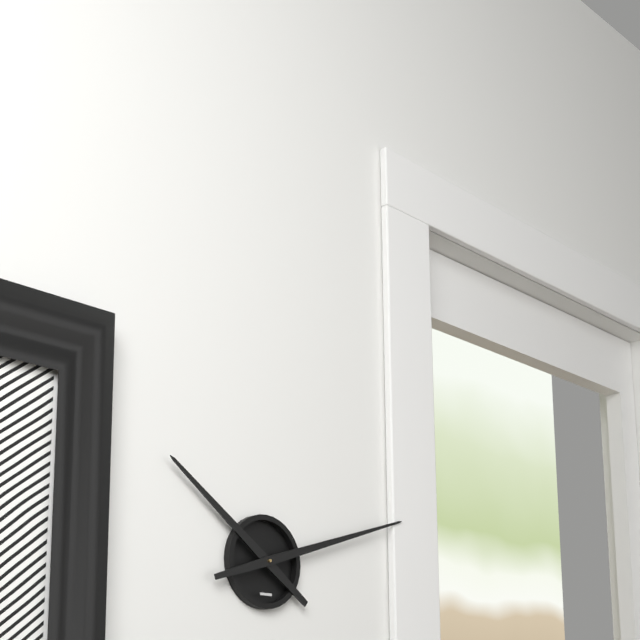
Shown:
10.12
